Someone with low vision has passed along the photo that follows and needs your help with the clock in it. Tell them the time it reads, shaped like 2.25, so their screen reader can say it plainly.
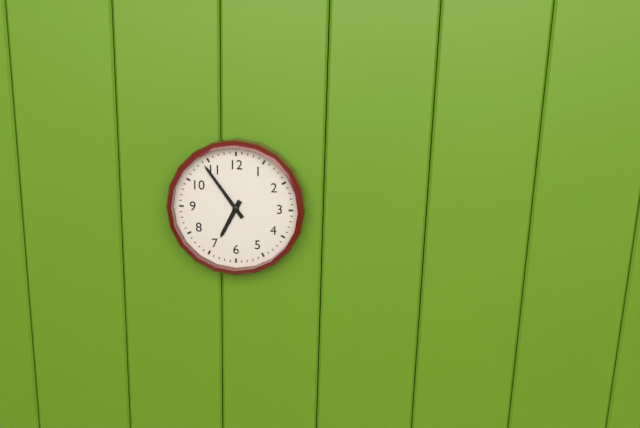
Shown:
6.54
